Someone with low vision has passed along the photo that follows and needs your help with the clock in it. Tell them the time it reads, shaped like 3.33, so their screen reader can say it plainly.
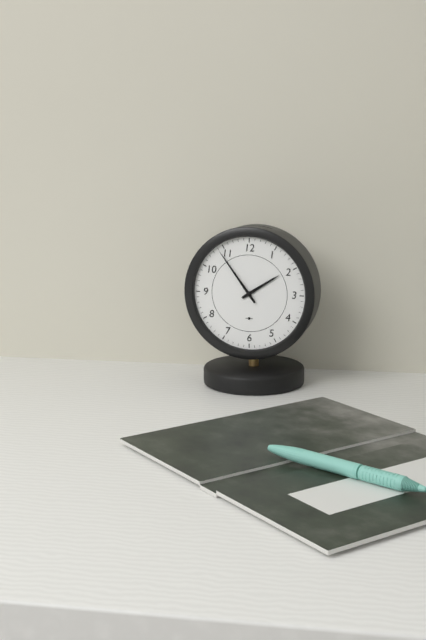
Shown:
1.54
